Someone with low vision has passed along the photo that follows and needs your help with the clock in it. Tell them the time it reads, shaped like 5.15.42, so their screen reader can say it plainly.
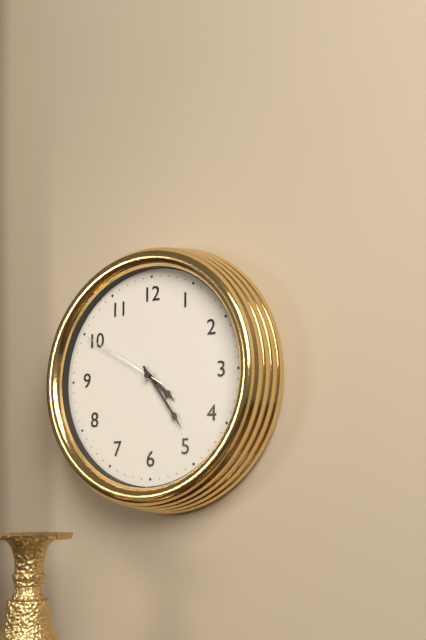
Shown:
4.24.50
